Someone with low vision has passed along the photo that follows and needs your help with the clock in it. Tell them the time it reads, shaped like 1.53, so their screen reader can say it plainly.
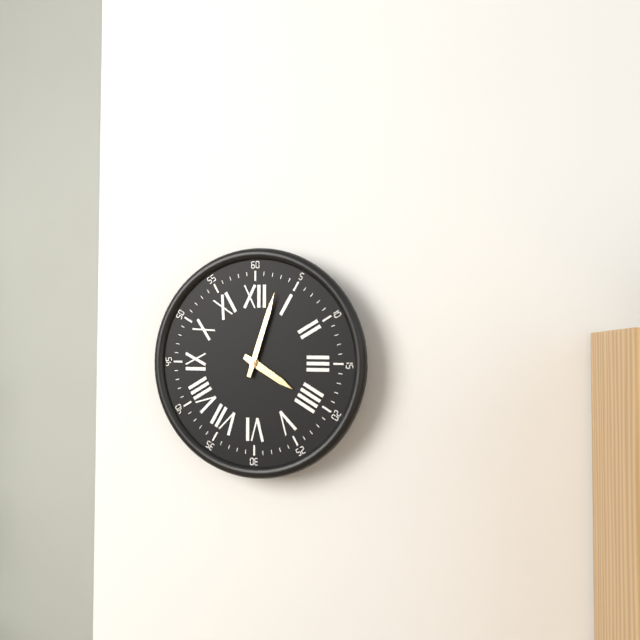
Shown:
4.03
